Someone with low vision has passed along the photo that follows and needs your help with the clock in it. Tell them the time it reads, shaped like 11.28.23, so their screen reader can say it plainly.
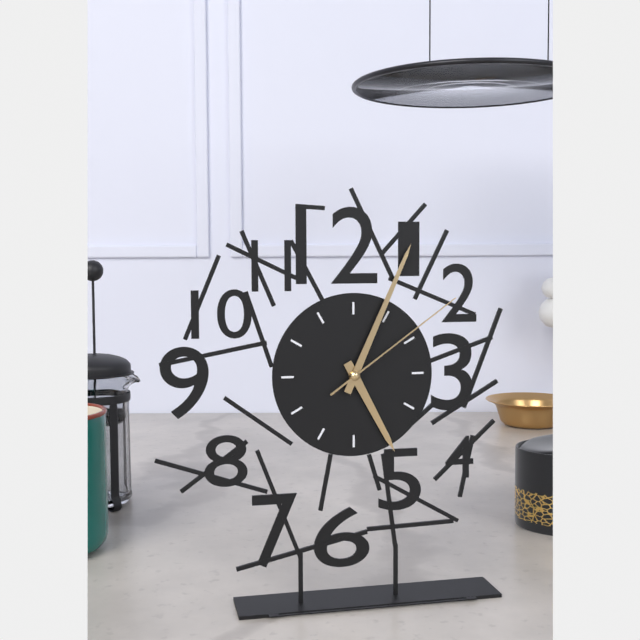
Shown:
5.04.09
